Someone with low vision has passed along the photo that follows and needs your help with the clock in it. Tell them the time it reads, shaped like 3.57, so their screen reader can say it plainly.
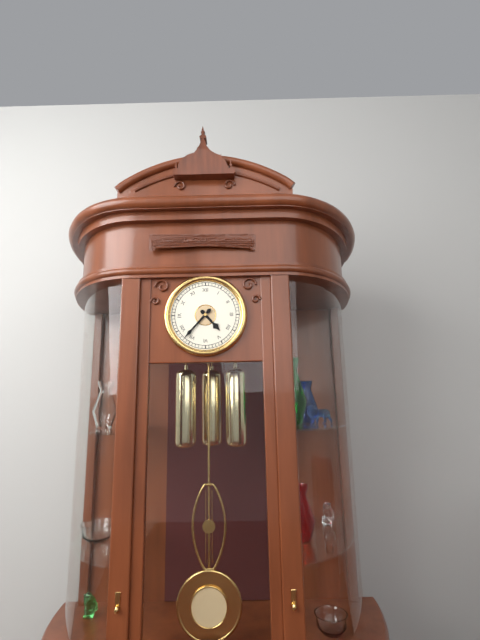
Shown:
4.37
